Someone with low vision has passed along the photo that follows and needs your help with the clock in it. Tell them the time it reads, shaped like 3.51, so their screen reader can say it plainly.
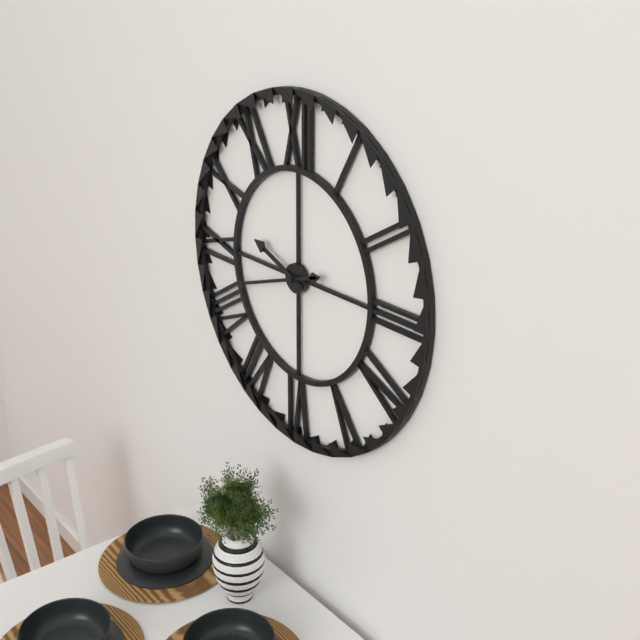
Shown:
9.42
